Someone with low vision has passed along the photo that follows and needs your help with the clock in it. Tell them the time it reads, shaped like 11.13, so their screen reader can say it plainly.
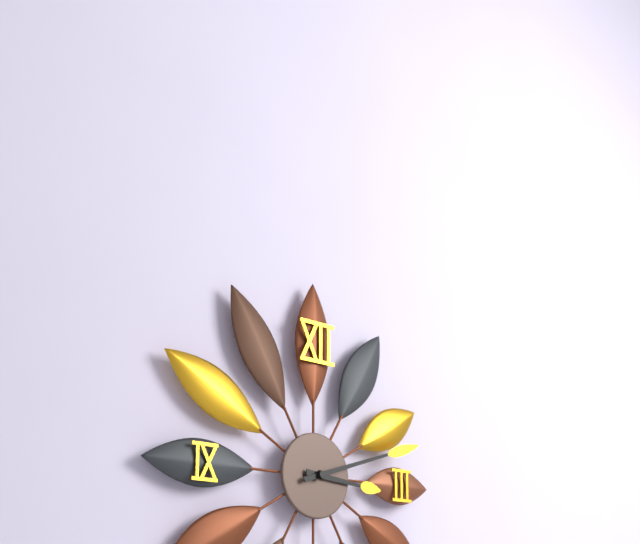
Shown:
3.12
